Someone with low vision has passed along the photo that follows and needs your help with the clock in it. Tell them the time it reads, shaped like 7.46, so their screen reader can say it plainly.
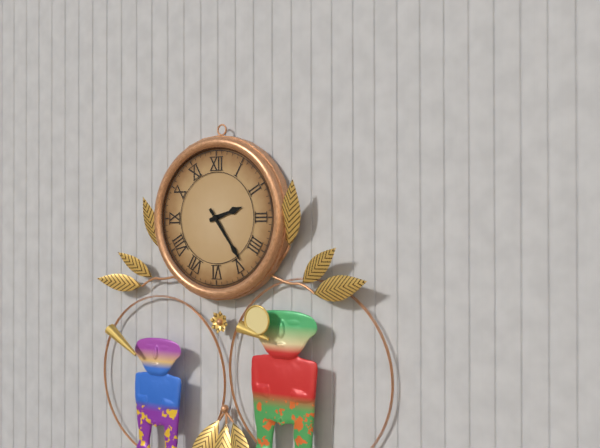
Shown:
2.24
